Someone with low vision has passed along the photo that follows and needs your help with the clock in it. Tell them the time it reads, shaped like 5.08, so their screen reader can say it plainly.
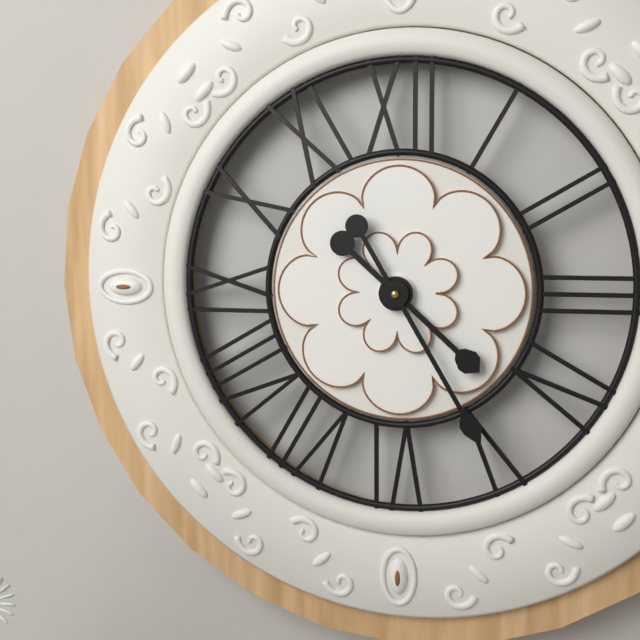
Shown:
4.25
